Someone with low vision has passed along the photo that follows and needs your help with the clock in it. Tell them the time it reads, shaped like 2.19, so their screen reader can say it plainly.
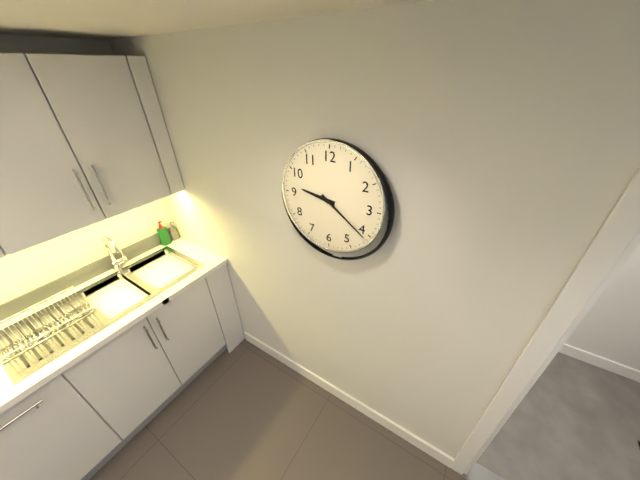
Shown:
9.21
